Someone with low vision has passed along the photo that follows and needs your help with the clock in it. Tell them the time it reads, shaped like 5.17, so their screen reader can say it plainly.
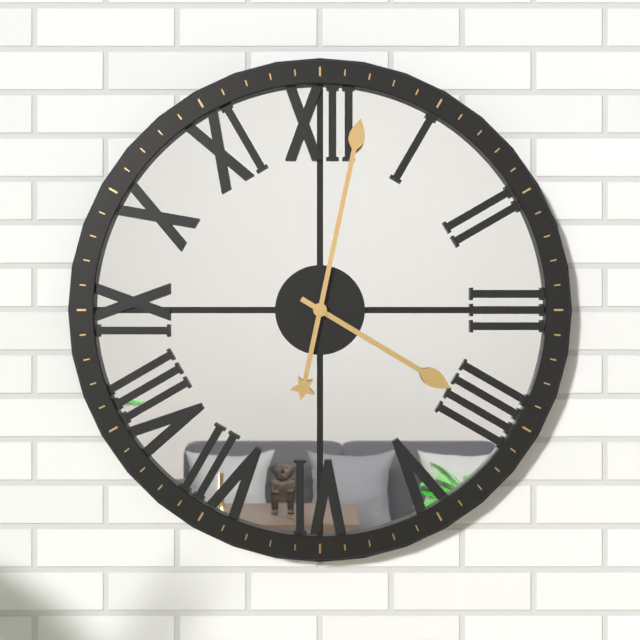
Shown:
4.02
